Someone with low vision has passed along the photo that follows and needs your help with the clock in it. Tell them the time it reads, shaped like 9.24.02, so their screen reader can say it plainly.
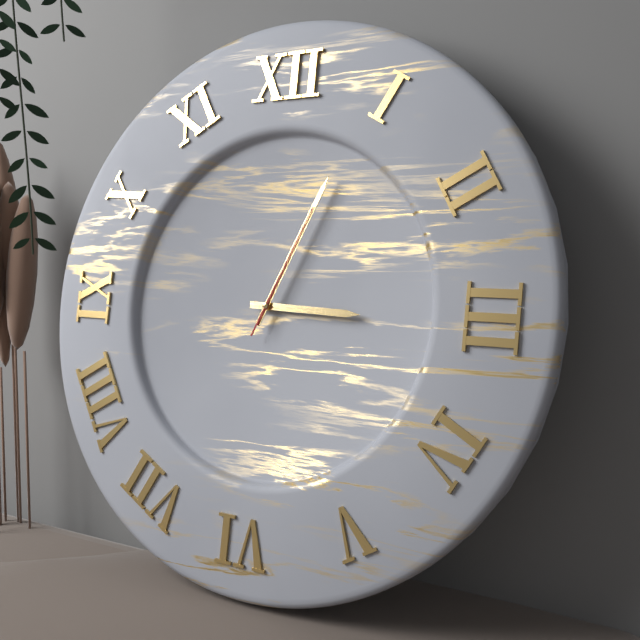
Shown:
3.04.04
